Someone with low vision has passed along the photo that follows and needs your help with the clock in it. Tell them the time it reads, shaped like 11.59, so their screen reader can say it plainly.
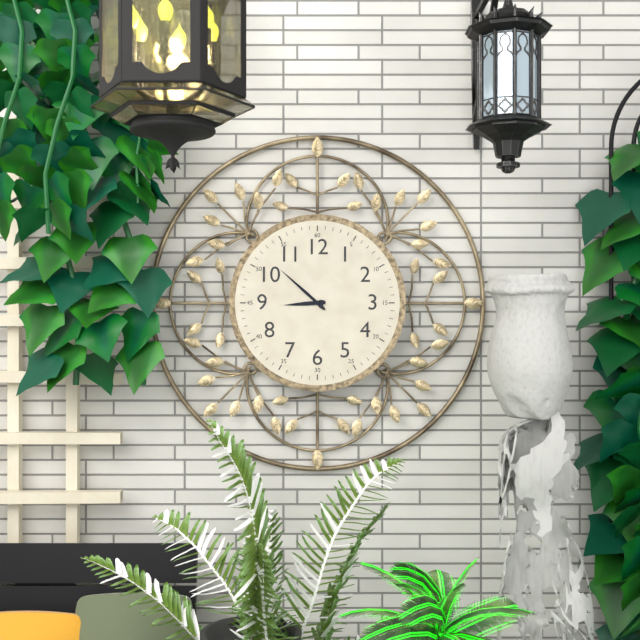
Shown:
8.52
